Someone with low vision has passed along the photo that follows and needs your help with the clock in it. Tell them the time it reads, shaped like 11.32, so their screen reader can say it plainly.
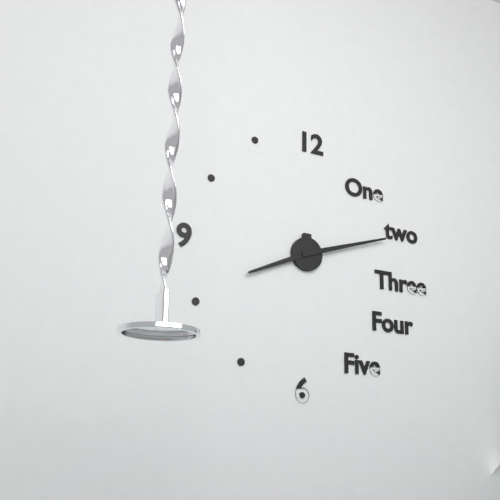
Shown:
8.12
